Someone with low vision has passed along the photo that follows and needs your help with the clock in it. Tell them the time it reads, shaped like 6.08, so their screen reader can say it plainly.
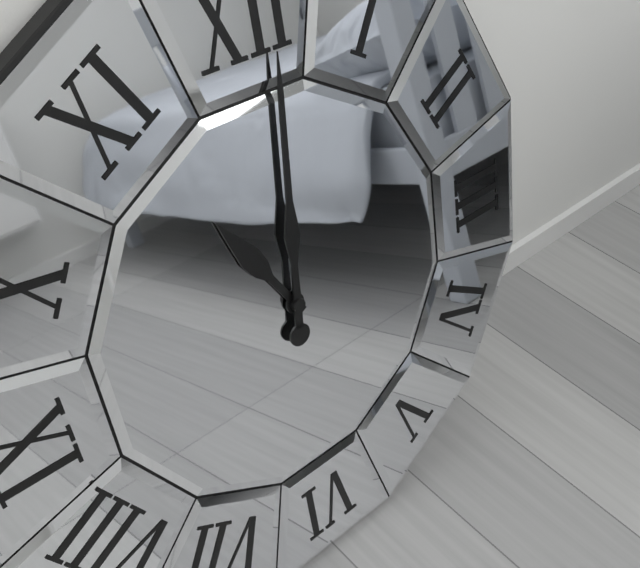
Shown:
11.01
